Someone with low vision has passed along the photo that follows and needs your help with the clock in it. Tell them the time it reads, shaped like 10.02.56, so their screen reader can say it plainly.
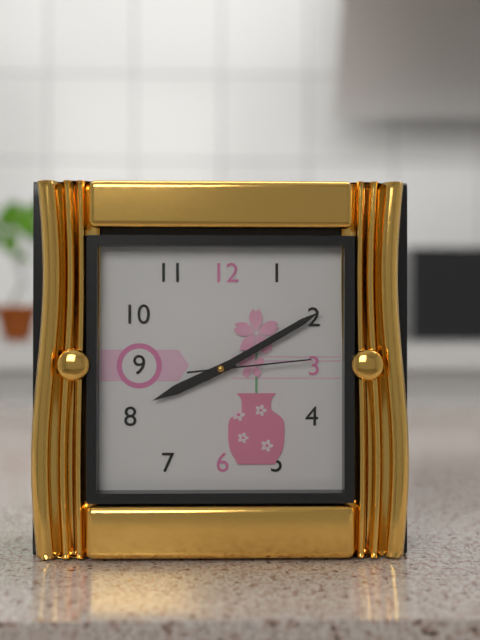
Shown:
8.10.14
